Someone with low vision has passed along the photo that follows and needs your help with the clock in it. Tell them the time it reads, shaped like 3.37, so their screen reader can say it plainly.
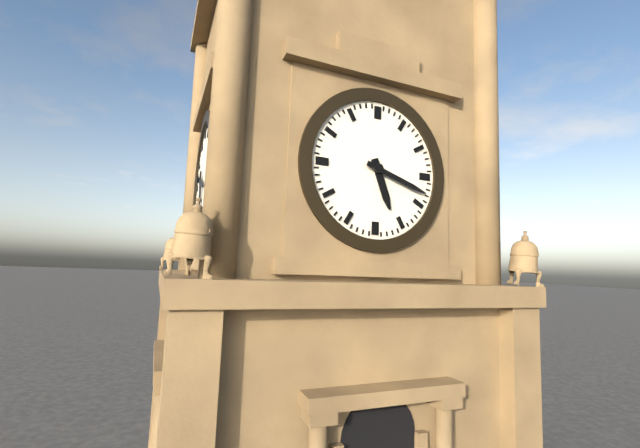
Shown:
5.18
